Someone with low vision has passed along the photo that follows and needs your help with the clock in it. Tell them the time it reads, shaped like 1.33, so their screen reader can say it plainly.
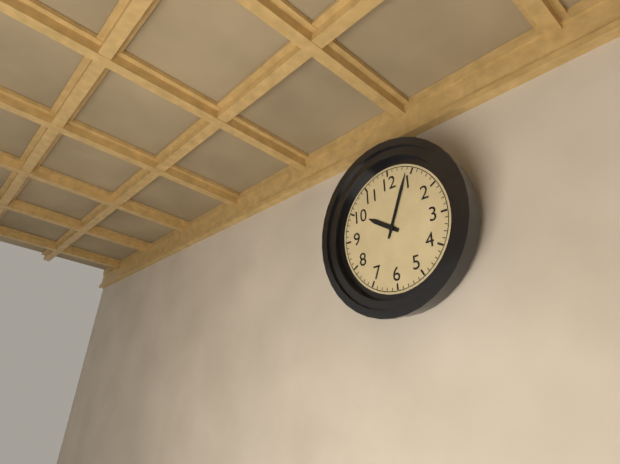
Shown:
10.04
